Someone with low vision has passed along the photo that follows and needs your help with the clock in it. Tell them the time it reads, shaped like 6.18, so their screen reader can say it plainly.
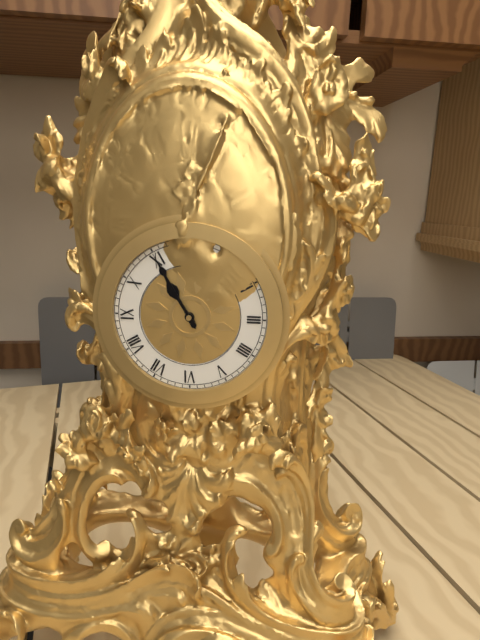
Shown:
10.55
